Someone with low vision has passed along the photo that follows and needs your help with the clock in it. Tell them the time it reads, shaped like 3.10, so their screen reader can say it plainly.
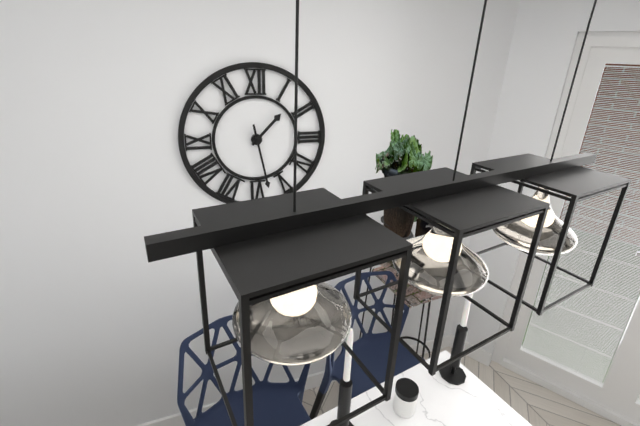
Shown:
1.28
